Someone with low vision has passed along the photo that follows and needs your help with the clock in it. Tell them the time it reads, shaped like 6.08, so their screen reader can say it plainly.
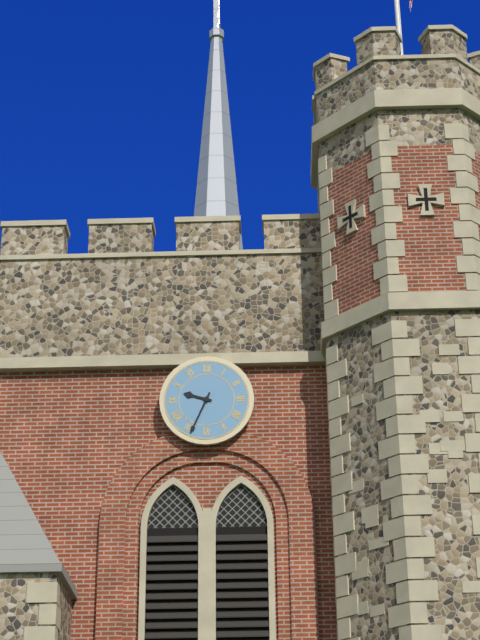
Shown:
9.34
